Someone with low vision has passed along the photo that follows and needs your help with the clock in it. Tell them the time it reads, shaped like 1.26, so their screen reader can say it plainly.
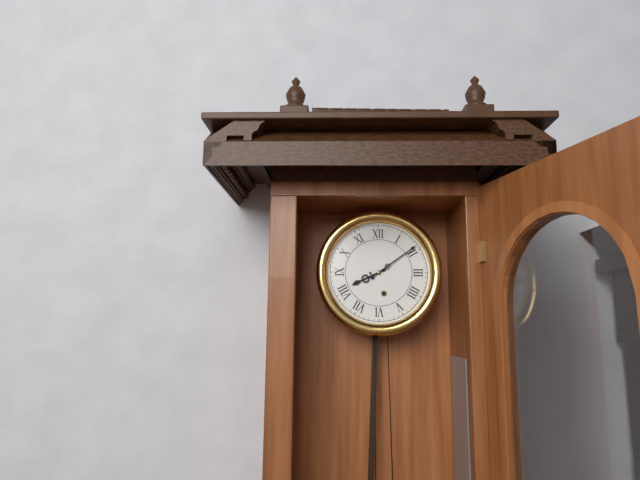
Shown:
8.09
